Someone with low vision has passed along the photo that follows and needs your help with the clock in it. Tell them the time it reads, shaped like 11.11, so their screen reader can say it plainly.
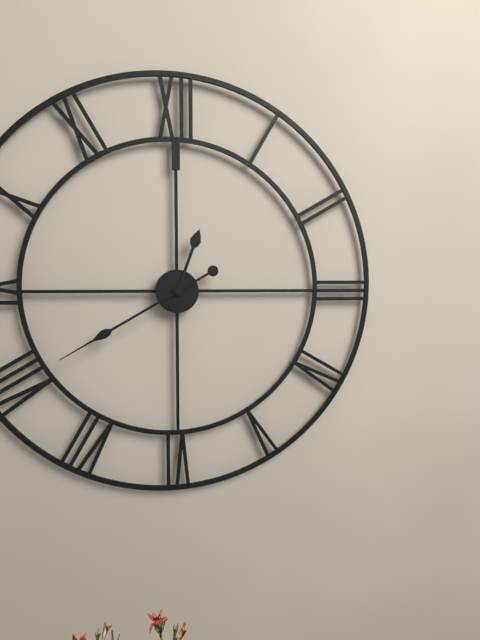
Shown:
12.40
